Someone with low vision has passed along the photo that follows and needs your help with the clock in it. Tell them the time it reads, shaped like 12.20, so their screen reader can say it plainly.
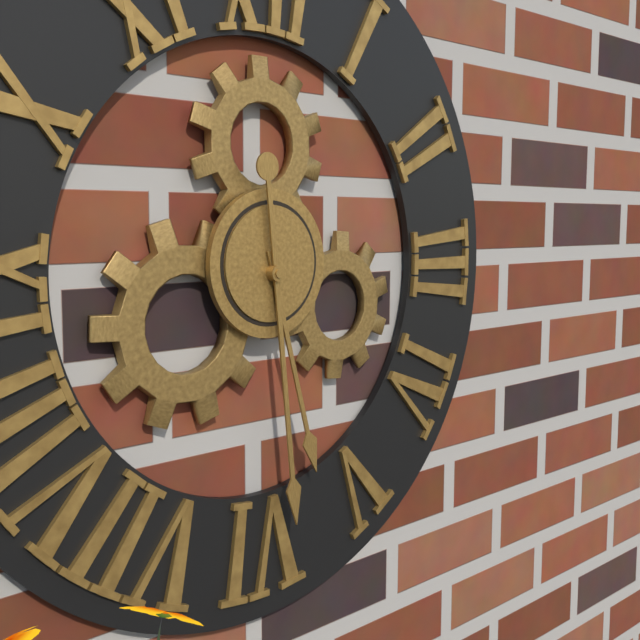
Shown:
5.29
